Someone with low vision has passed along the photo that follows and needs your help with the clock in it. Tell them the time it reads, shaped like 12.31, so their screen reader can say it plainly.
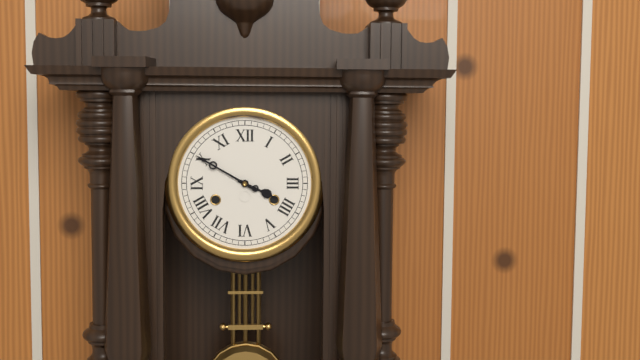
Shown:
3.50
